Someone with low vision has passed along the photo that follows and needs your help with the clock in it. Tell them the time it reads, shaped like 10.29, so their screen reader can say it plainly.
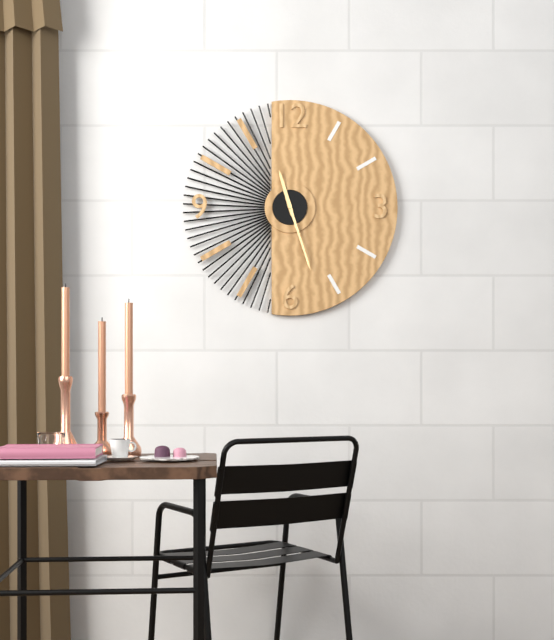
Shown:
11.27
